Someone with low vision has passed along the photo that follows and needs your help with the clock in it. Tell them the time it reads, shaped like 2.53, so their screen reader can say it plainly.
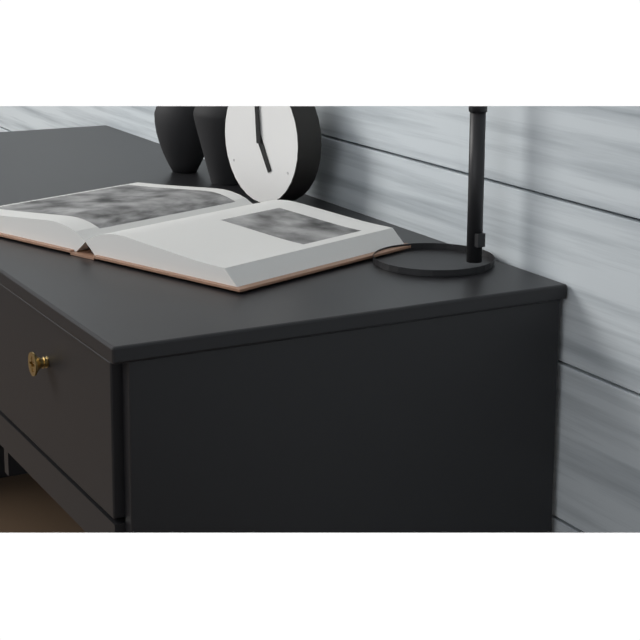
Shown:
4.59
